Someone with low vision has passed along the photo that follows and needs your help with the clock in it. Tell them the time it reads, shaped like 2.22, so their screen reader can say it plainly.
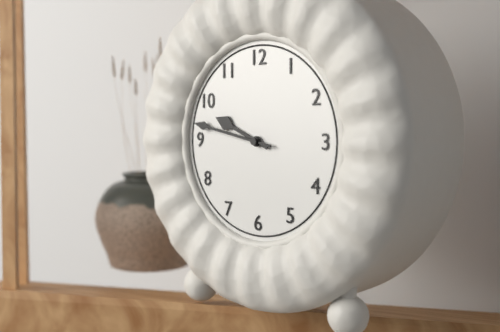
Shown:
9.47
